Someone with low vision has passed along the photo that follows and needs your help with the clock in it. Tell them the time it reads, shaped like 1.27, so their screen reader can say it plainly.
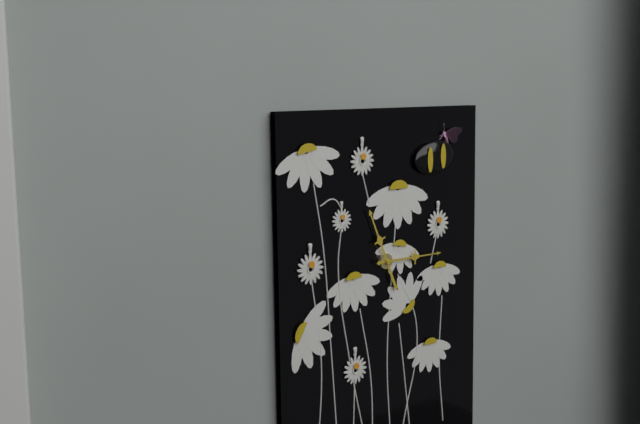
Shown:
11.15
